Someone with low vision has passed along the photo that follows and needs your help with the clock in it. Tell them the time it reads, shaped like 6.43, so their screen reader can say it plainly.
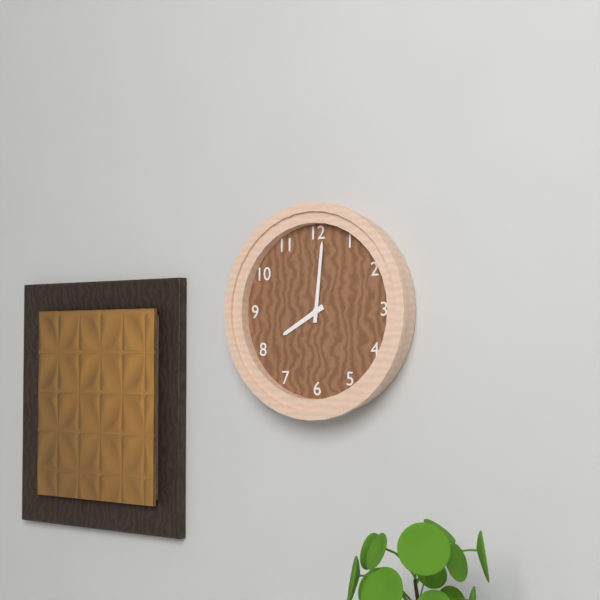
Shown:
8.01
